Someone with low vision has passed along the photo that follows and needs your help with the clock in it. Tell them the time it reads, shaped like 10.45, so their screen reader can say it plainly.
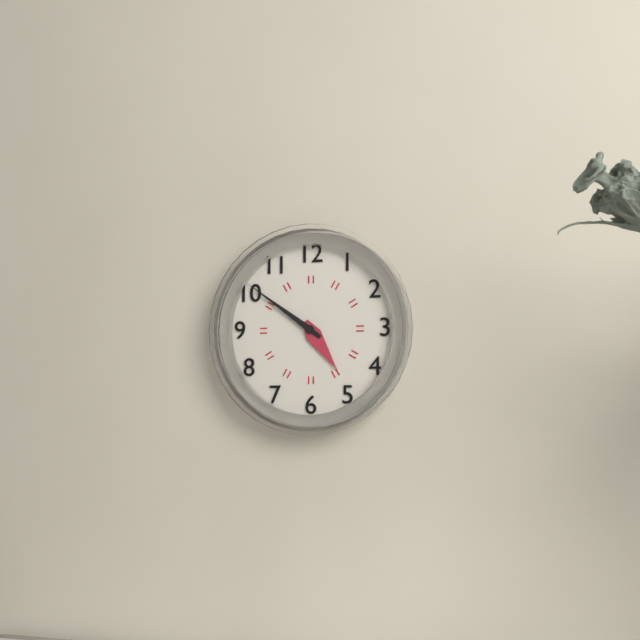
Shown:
4.51
